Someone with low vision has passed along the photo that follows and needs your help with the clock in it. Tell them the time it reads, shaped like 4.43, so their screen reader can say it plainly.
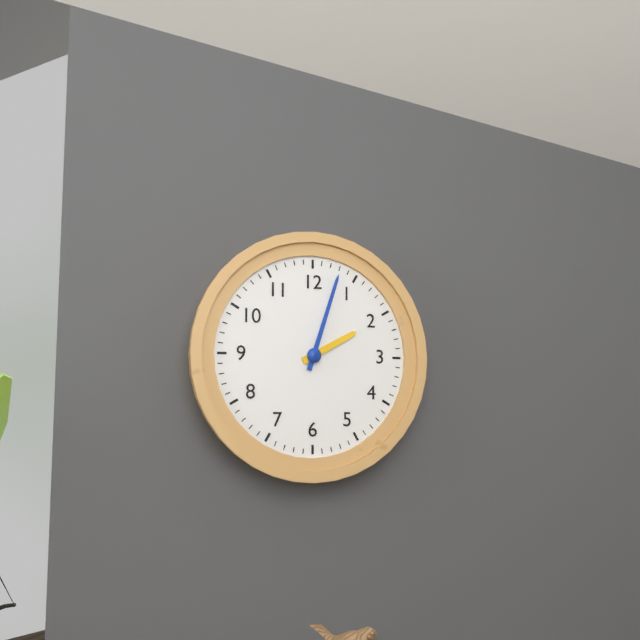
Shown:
2.03
